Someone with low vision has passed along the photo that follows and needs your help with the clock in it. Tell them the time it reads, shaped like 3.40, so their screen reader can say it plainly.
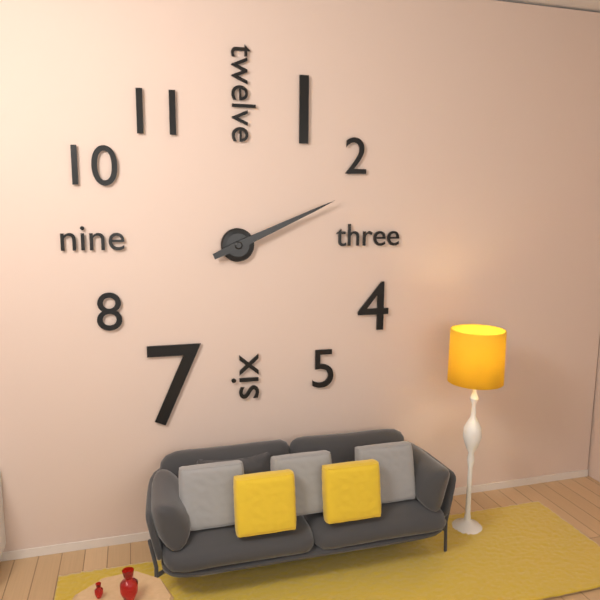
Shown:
2.11
